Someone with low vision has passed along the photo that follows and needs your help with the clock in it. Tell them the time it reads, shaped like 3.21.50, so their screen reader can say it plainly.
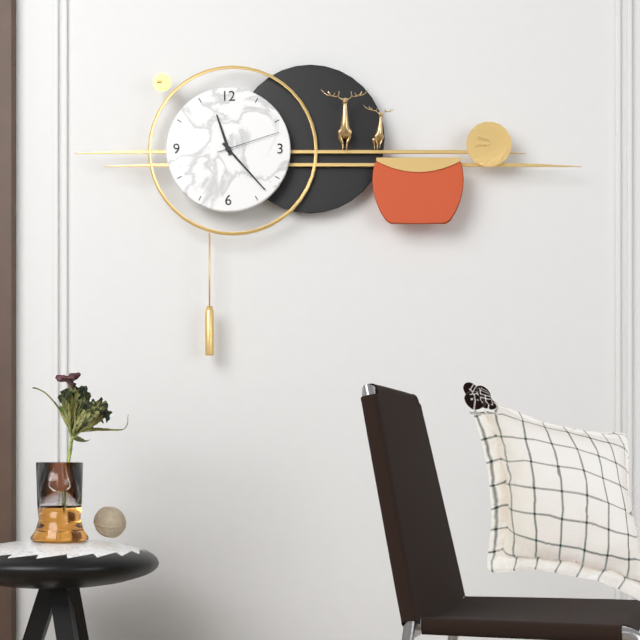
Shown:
11.23.12
